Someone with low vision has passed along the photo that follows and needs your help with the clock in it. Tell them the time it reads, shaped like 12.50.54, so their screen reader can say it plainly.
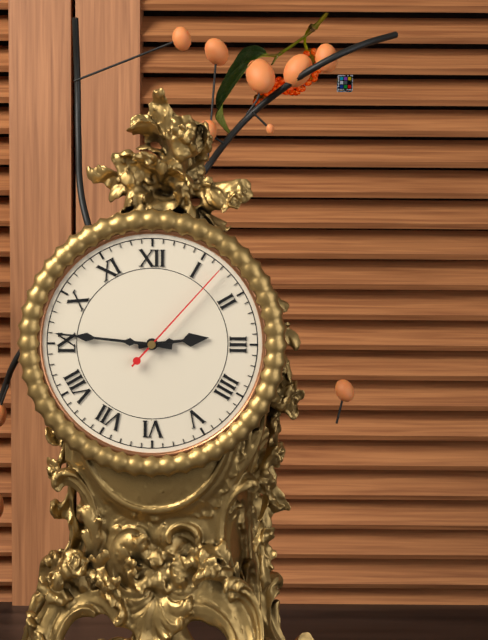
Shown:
2.46.07
